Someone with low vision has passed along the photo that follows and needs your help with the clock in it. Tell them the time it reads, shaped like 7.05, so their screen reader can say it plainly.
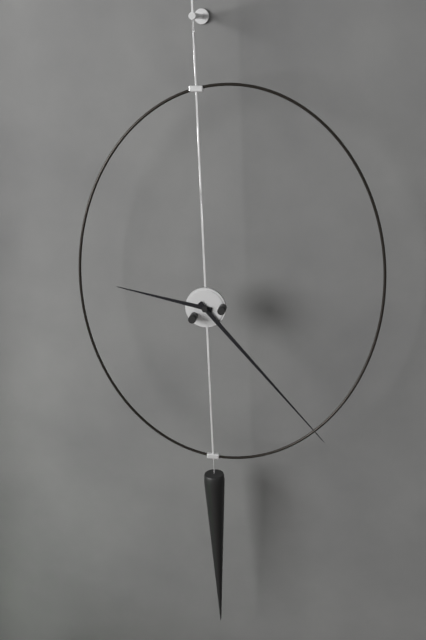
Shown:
9.23
